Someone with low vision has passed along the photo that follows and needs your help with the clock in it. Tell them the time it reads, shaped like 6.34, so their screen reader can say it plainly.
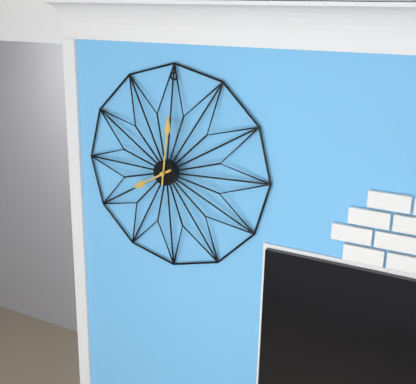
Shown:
8.01
